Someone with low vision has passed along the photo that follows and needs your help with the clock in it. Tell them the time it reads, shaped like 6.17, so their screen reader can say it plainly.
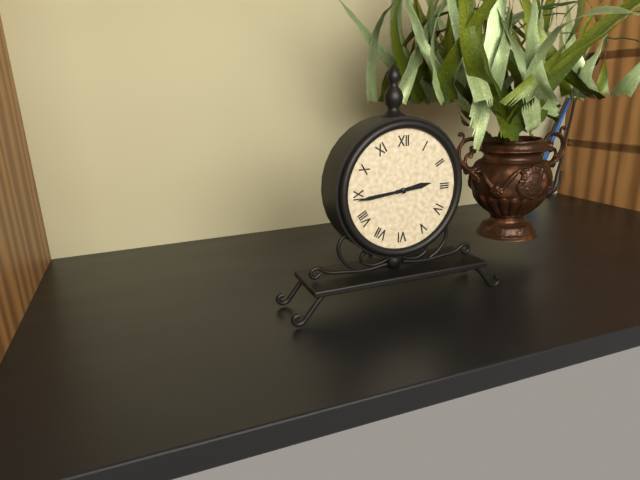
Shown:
2.44
